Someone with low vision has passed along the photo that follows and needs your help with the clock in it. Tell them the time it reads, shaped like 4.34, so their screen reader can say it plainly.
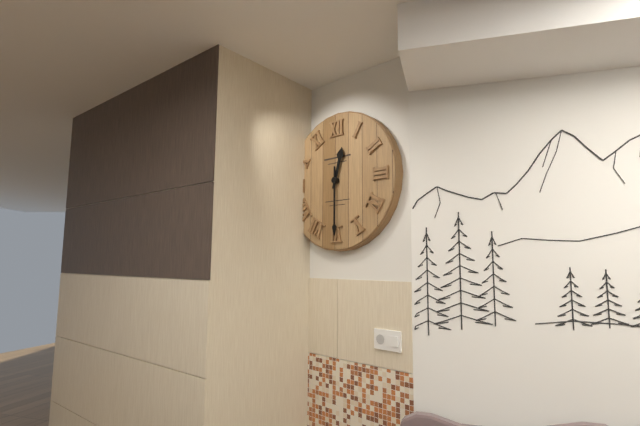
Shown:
12.30
